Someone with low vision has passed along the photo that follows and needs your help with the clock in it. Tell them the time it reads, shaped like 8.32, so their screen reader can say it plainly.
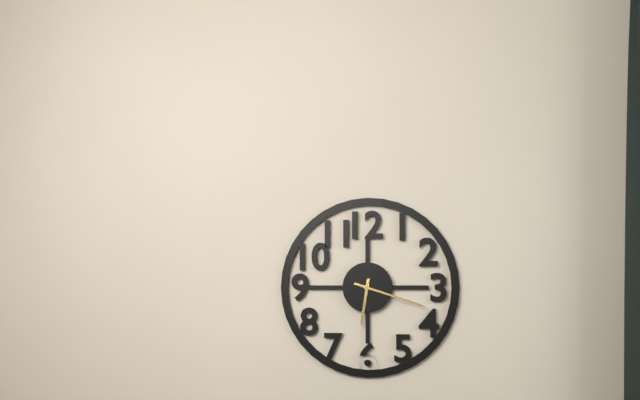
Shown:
6.18
